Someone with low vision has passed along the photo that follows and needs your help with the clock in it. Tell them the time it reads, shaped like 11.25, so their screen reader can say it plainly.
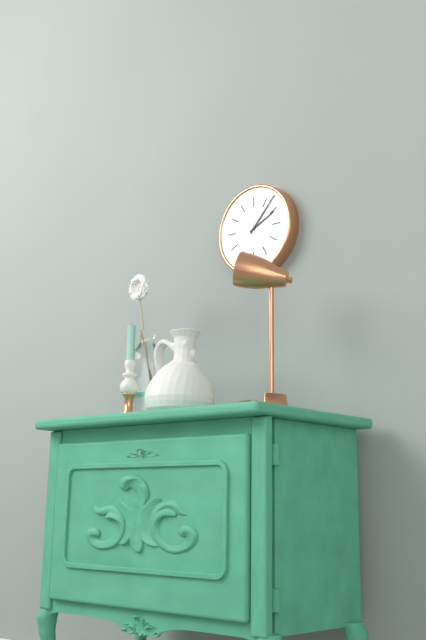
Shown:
2.07
